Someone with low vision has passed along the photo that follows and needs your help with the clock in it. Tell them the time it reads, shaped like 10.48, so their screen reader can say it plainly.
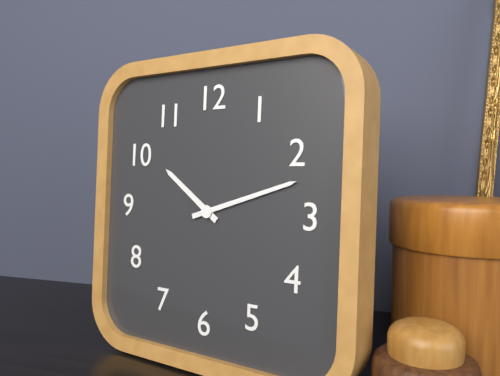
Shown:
10.12
